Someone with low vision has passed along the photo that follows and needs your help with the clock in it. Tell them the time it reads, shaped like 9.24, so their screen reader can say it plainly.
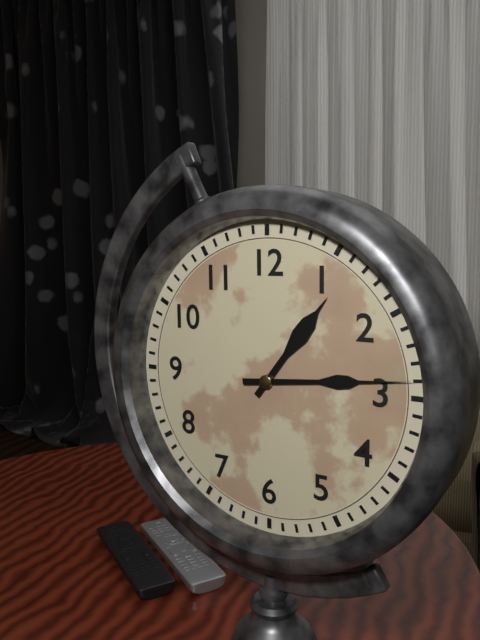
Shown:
1.14
